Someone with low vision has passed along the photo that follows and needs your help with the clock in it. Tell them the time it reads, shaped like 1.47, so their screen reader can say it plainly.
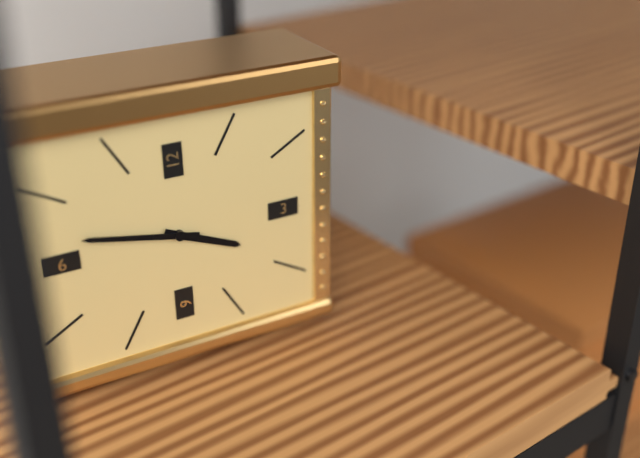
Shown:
3.47
